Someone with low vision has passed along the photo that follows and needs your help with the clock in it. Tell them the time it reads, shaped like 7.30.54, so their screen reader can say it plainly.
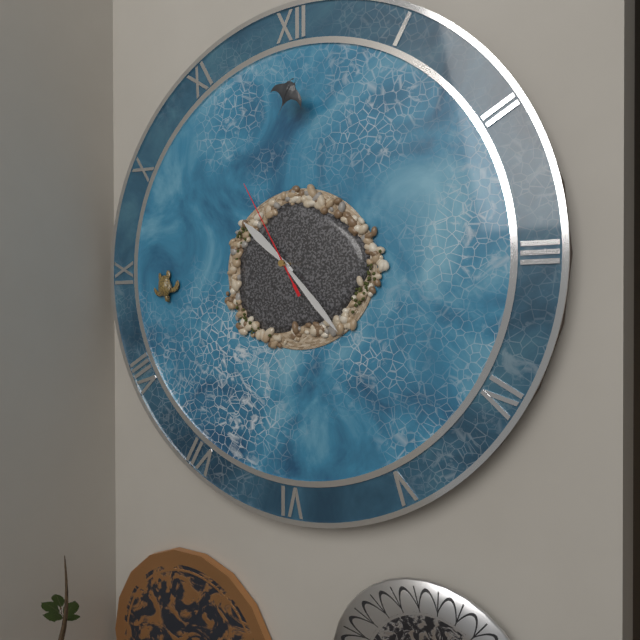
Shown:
10.23.55
